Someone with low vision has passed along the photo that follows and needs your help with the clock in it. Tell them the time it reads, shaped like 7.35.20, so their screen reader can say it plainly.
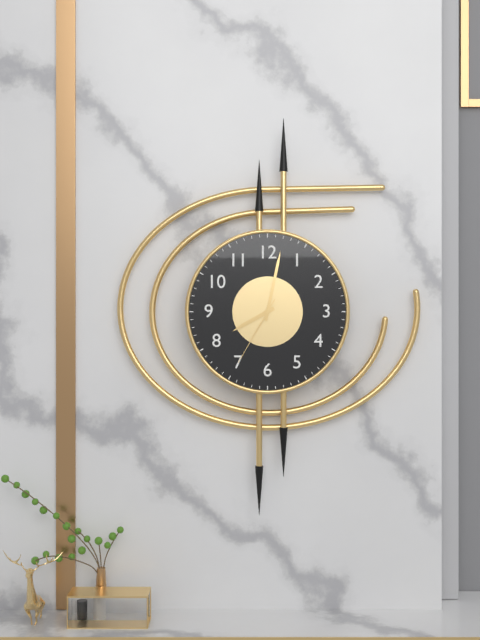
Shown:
8.02.35
